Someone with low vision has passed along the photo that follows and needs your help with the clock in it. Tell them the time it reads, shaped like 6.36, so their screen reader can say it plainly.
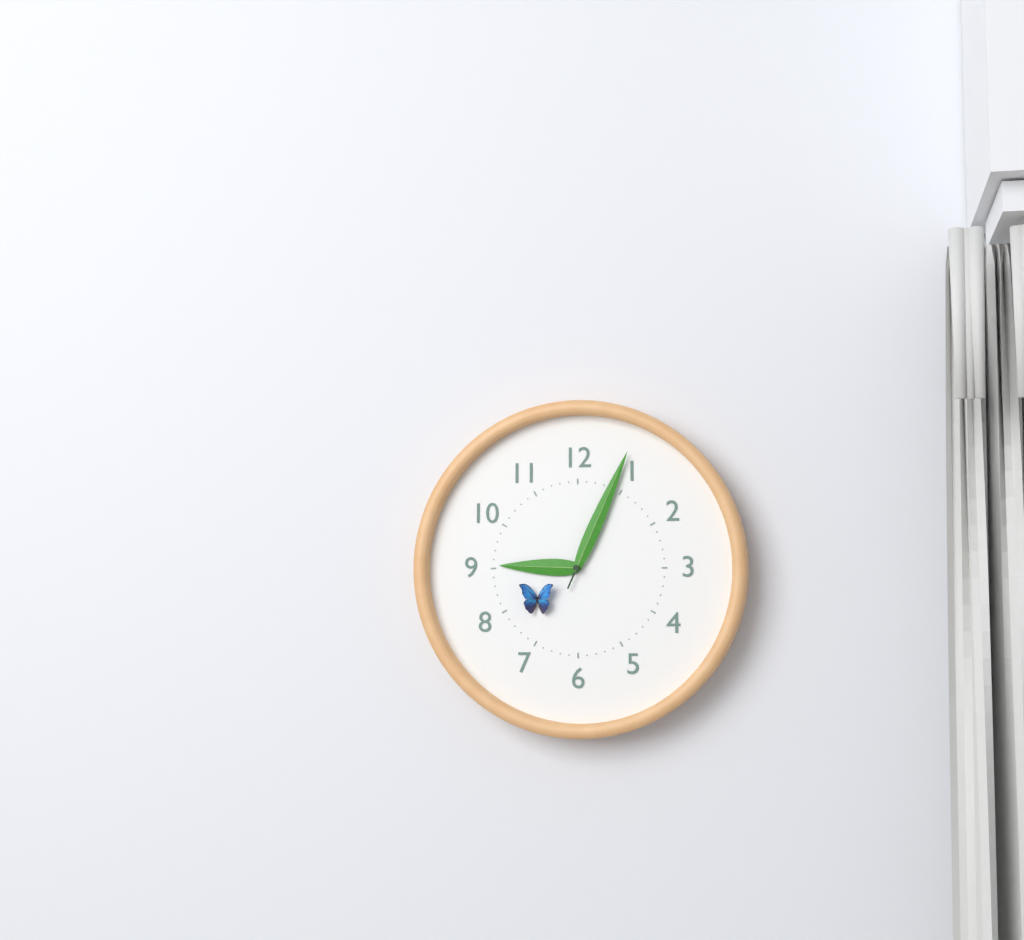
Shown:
9.04
